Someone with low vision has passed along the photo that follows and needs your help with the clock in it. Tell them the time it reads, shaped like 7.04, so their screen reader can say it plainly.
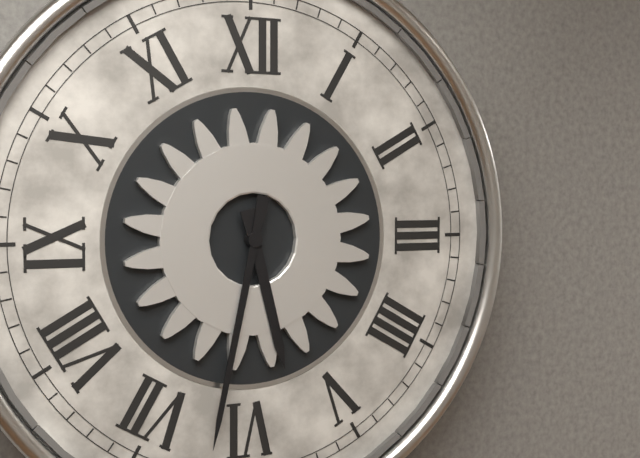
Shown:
5.32
